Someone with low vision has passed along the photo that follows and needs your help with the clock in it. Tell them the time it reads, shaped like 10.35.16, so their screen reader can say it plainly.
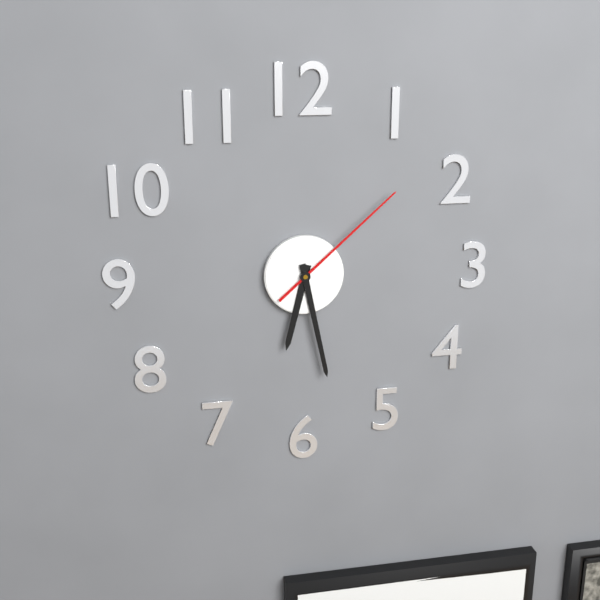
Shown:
6.28.08
